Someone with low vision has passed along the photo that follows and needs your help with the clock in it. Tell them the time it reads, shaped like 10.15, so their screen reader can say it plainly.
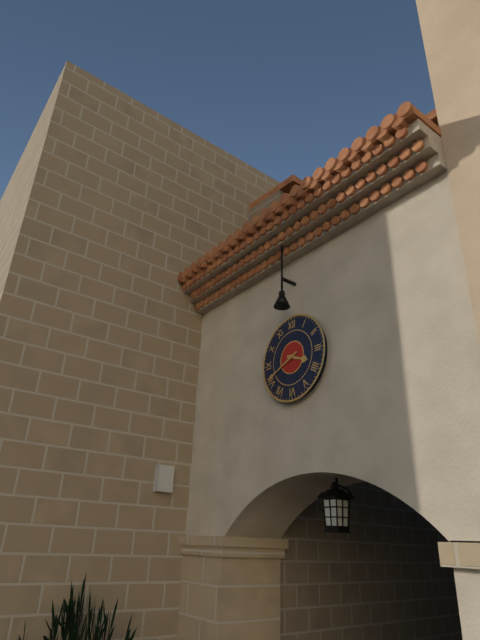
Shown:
3.41
